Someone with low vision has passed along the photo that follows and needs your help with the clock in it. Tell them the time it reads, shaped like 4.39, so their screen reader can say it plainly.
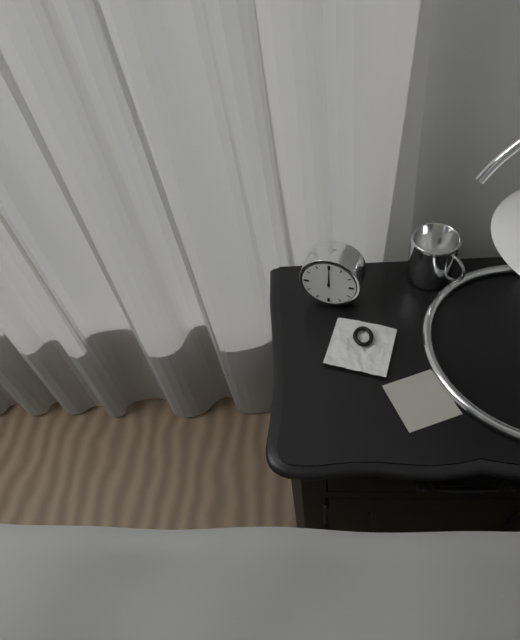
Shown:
12.00
